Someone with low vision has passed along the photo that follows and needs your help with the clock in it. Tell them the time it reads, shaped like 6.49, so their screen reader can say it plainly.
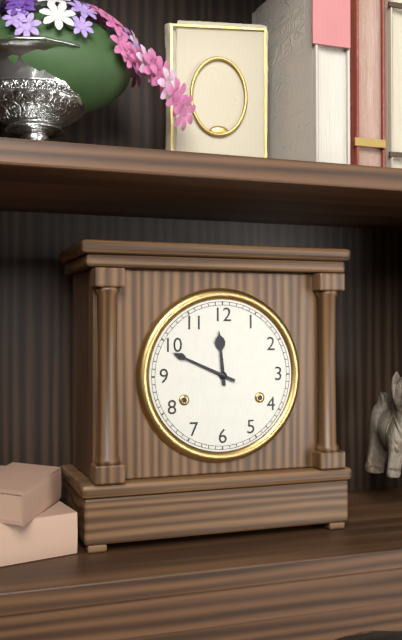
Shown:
11.49
